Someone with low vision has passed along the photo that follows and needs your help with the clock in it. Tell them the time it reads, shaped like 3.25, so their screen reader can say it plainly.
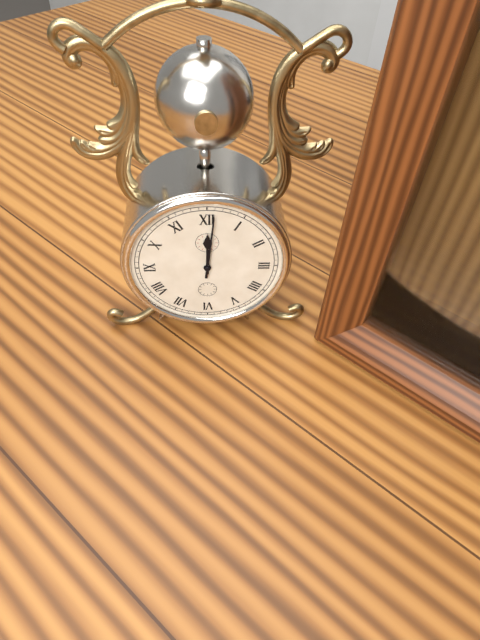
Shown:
12.01
